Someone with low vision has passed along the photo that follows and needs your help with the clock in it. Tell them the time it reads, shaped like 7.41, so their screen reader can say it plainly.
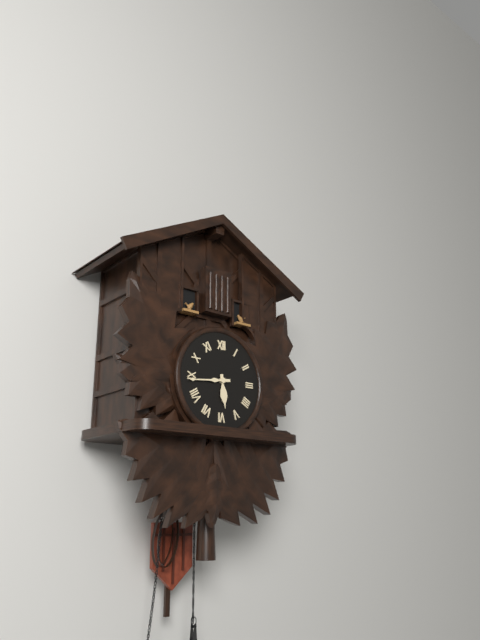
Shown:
5.44
